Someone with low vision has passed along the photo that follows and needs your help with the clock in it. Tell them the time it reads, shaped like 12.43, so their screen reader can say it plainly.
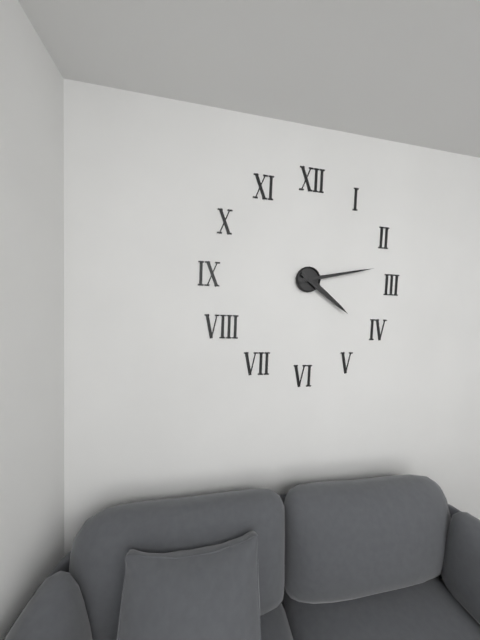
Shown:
4.13
